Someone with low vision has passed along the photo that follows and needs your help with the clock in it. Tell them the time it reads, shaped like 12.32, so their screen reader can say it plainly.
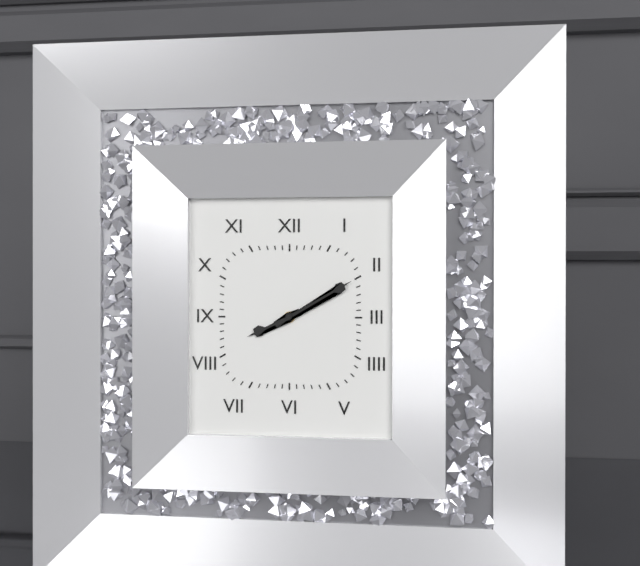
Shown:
8.10
